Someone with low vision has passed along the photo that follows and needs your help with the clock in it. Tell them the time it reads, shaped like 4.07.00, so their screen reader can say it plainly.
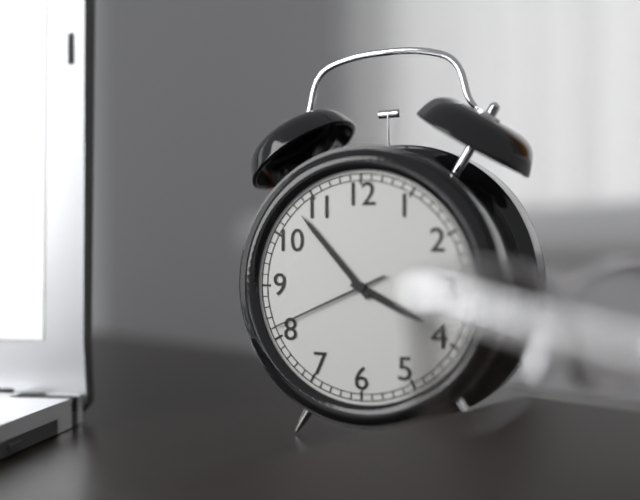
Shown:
3.53.41
